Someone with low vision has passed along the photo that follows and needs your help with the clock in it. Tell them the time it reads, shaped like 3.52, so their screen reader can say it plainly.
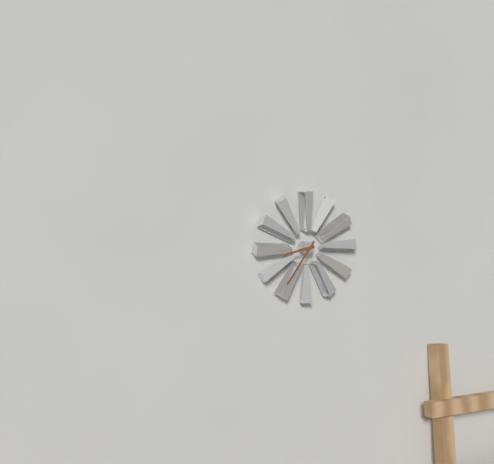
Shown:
8.36
